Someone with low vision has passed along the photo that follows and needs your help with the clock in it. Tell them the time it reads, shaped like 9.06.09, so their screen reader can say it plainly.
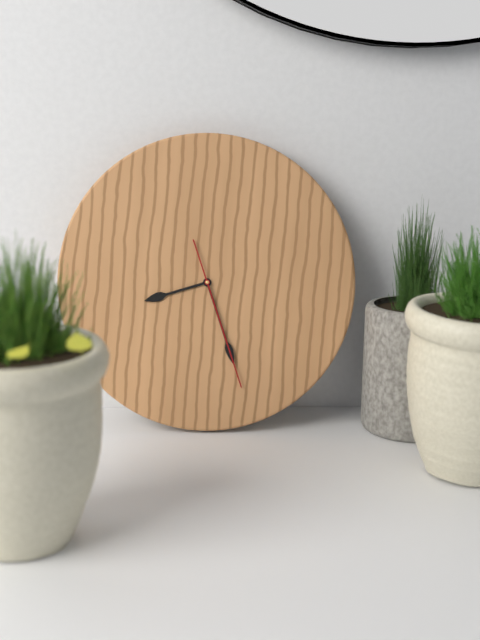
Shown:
8.27.27
